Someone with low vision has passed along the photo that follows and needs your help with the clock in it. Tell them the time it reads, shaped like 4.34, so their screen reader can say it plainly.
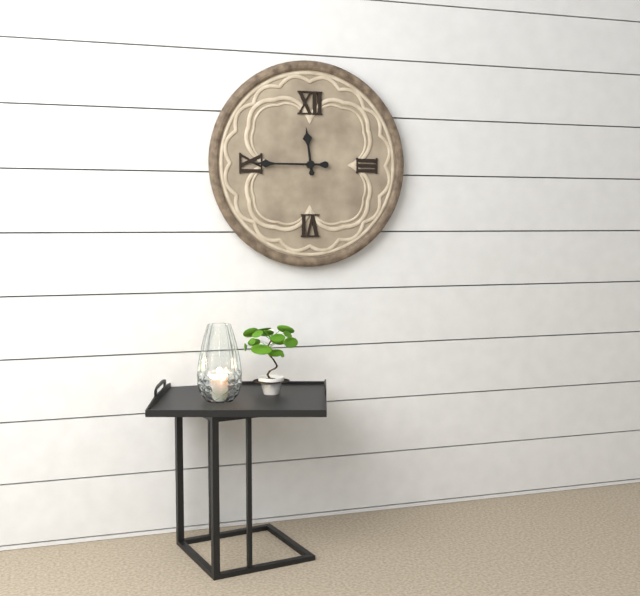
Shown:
11.45
